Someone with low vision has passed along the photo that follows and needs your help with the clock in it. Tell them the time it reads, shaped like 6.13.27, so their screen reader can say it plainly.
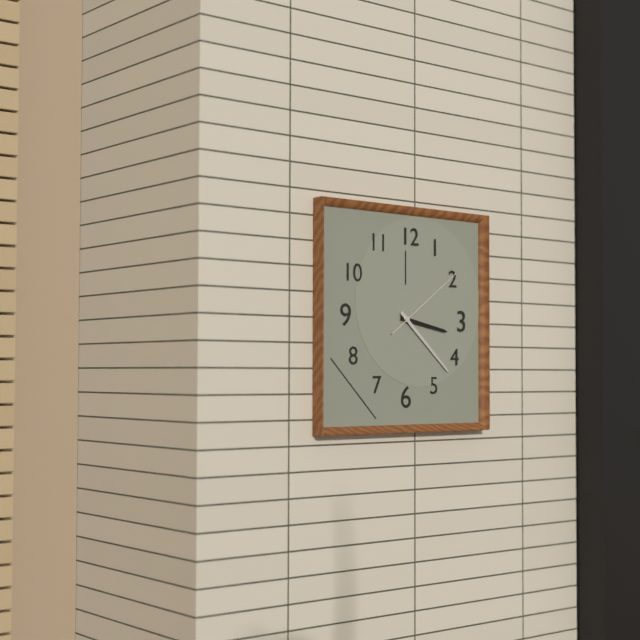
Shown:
3.22.09
